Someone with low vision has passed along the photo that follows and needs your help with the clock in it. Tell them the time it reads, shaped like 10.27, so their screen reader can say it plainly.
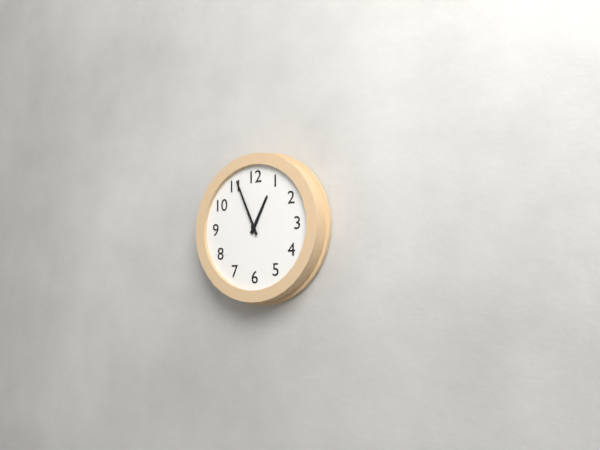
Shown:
12.56
